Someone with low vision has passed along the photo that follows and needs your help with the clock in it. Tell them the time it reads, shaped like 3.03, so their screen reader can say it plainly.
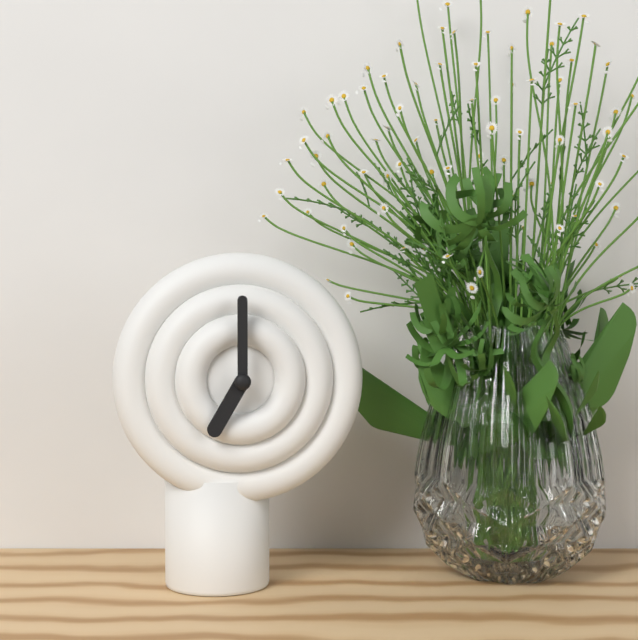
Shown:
7.00
